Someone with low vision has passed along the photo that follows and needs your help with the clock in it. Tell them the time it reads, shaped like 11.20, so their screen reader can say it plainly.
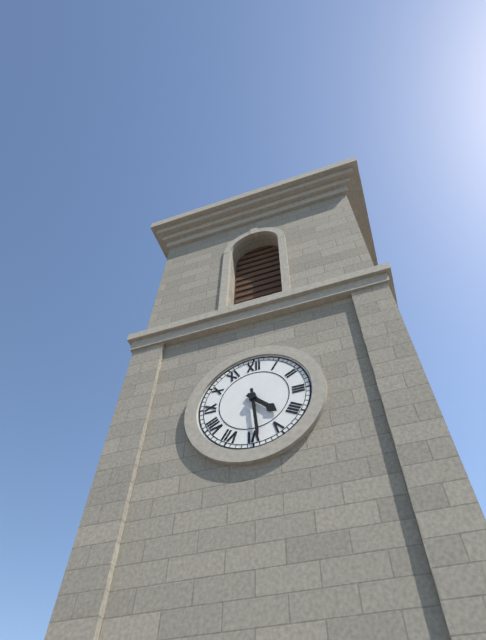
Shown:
4.29
